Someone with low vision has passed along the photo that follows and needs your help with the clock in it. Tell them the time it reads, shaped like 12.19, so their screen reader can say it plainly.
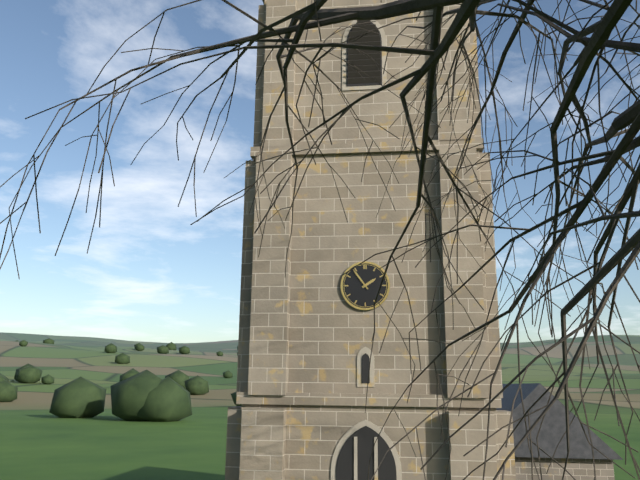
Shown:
1.54
